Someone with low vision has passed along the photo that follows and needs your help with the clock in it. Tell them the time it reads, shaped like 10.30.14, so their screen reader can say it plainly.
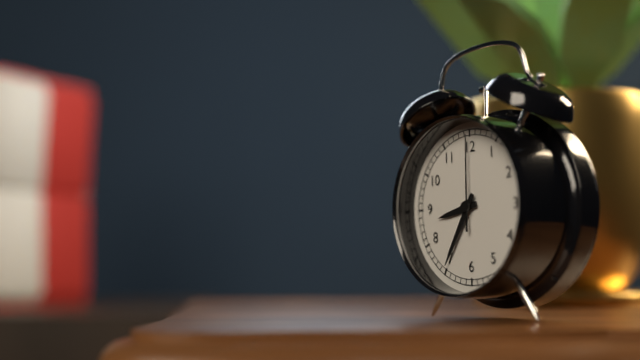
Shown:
8.35.00
